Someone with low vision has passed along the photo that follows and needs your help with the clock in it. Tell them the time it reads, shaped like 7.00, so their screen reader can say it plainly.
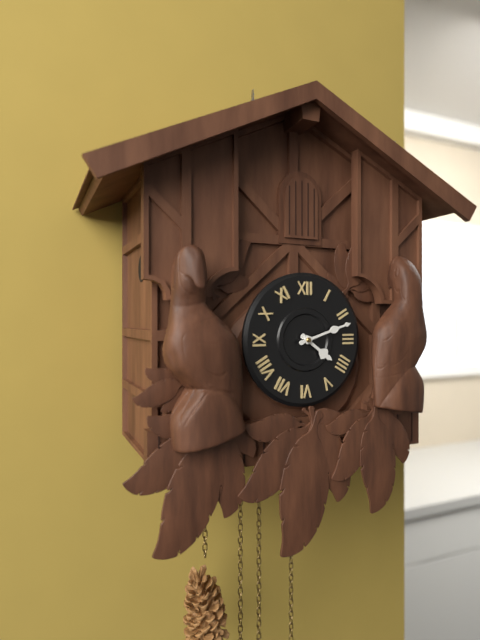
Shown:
4.12
